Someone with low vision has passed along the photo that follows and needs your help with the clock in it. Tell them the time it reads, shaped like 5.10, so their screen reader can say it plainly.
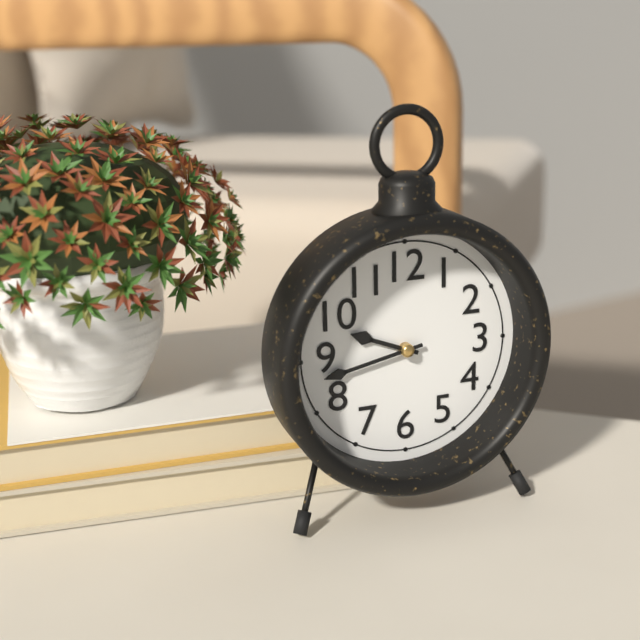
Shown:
9.43
